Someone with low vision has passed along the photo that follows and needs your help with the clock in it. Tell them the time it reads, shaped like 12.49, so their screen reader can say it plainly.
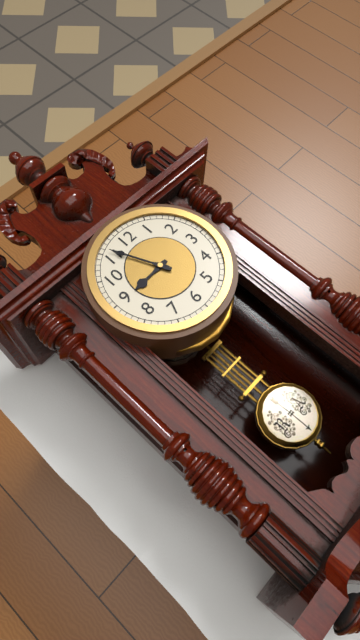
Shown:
8.56
